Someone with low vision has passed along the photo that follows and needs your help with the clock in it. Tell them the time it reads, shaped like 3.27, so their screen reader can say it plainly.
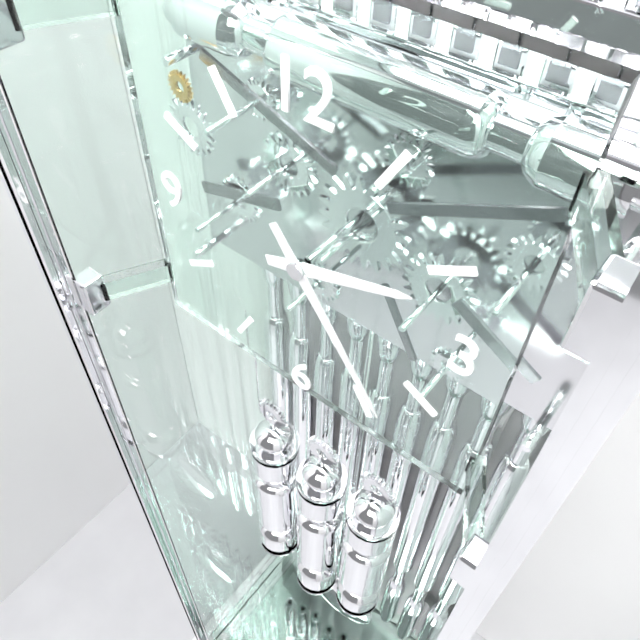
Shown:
2.24
